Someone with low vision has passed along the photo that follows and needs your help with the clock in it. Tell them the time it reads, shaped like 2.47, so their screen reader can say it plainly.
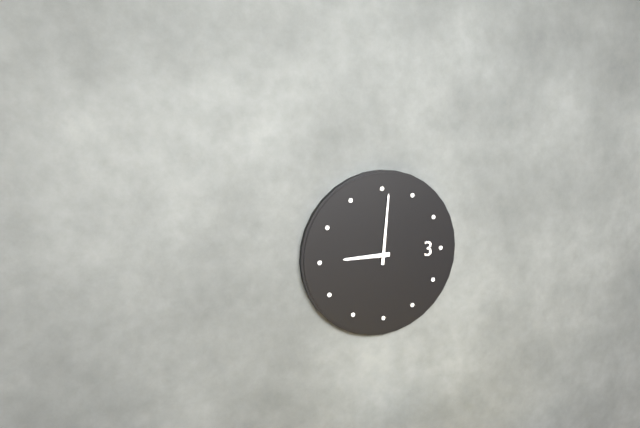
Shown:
9.01
